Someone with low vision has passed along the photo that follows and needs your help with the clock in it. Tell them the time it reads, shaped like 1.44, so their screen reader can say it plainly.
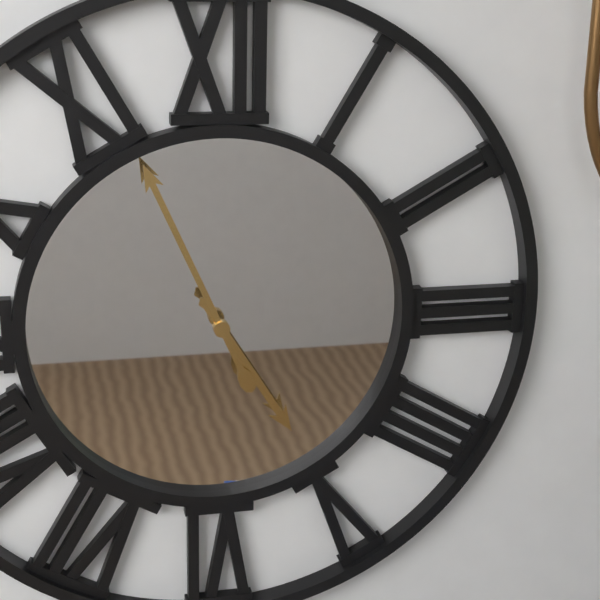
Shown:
4.56
